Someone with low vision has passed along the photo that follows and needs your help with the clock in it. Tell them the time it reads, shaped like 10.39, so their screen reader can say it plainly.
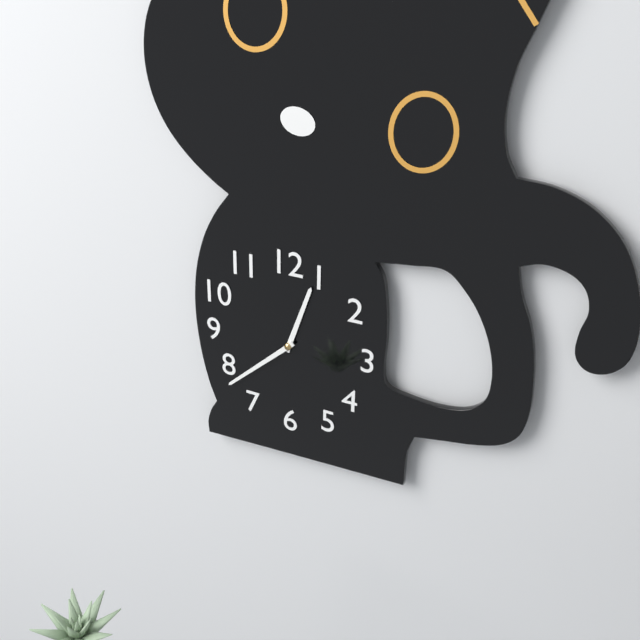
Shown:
12.38
